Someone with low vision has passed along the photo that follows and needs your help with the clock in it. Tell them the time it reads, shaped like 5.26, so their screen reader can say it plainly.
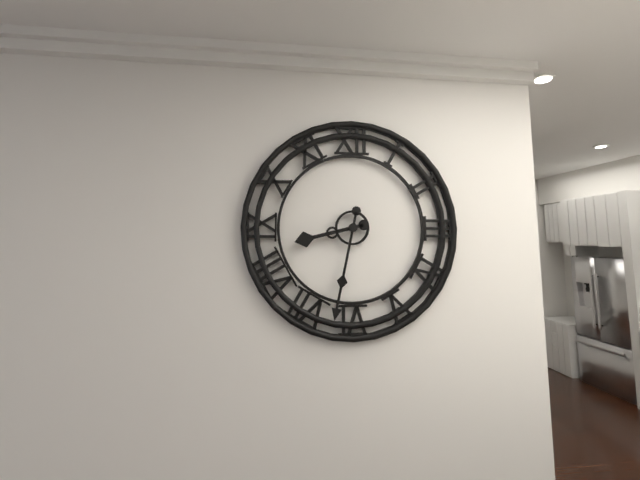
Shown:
8.32
